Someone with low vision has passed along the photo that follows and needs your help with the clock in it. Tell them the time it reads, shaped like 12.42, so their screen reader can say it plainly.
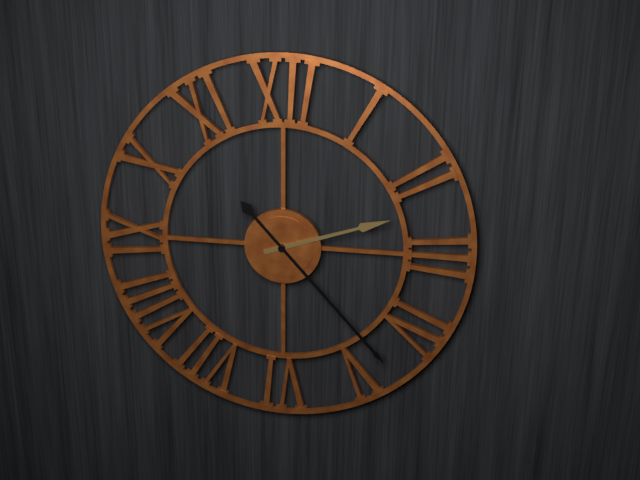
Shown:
2.23
